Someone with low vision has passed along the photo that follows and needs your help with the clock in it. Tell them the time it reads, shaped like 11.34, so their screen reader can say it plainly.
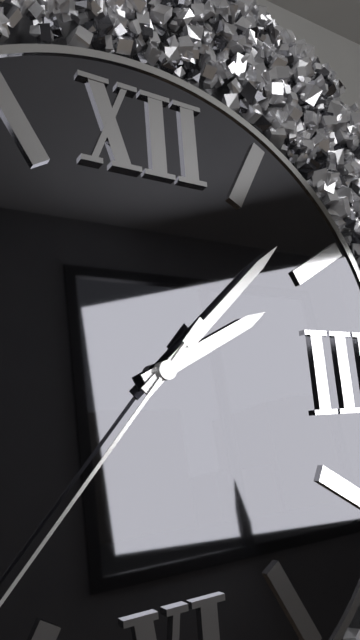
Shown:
2.08
